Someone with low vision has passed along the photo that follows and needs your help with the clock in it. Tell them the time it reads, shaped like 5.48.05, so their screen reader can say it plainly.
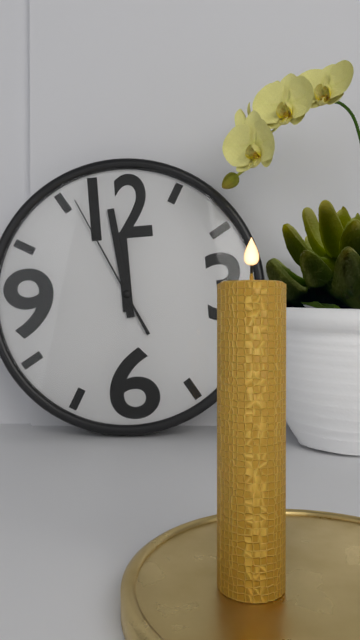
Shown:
11.59.56
